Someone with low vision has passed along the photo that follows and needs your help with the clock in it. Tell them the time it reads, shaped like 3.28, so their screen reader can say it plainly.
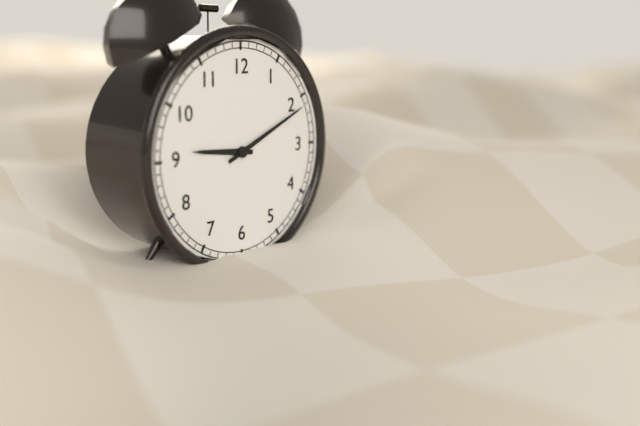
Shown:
9.11
